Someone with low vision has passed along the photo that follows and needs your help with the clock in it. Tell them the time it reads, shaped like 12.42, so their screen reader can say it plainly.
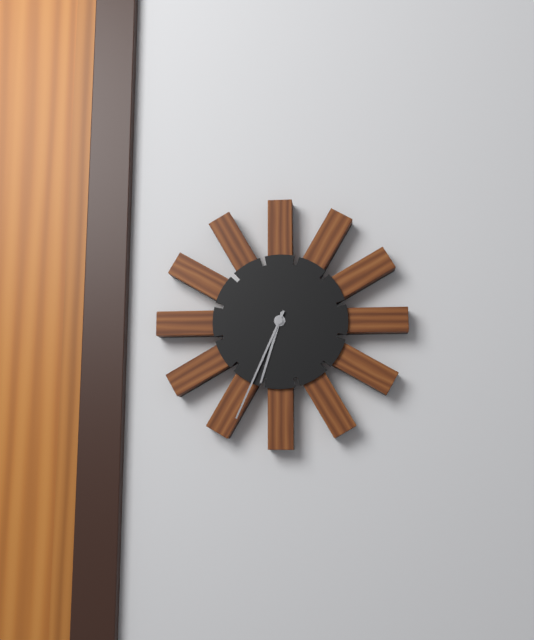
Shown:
6.34
